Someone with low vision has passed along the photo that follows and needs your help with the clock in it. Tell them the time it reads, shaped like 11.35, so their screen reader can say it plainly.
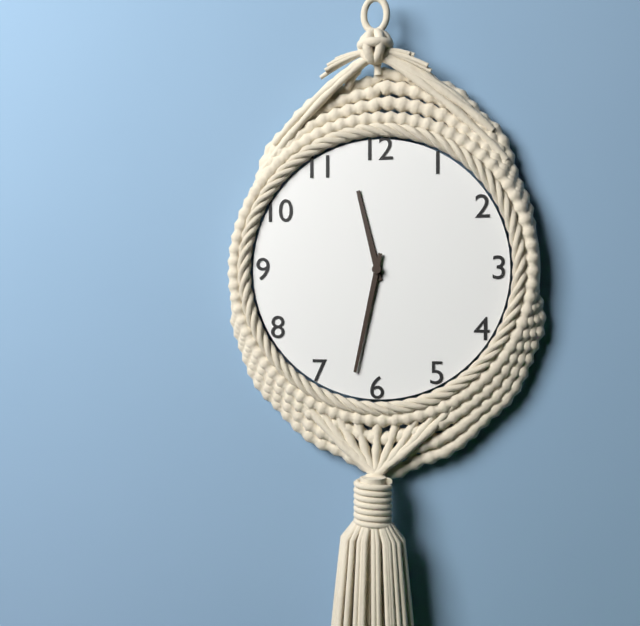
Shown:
11.32
